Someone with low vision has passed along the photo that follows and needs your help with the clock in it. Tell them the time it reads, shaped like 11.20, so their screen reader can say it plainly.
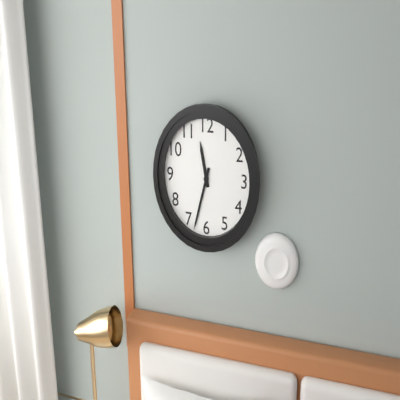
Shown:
11.33
